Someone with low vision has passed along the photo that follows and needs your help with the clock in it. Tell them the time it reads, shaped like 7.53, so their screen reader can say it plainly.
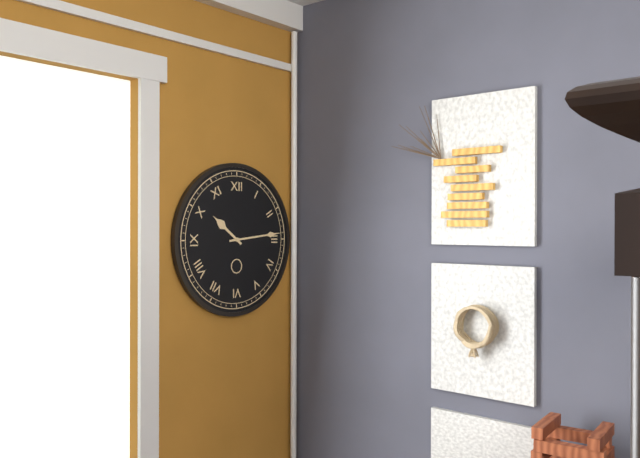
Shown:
10.14
